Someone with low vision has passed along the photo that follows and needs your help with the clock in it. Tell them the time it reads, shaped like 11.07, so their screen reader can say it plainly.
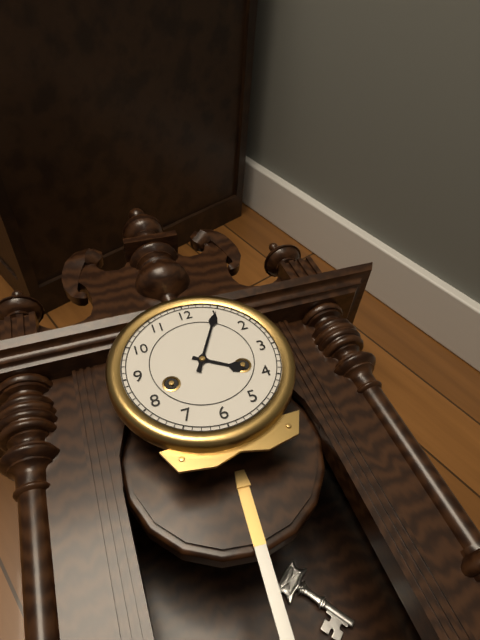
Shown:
4.05
